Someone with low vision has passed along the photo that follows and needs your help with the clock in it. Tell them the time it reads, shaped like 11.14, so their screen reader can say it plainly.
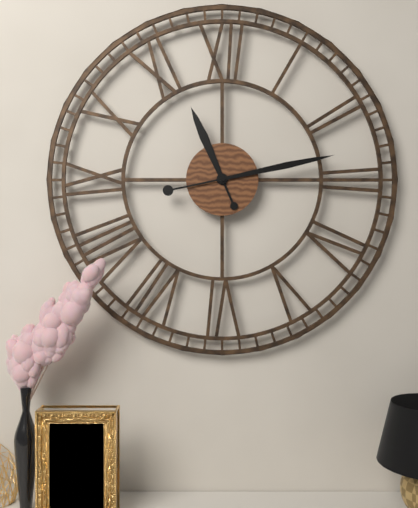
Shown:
11.13
